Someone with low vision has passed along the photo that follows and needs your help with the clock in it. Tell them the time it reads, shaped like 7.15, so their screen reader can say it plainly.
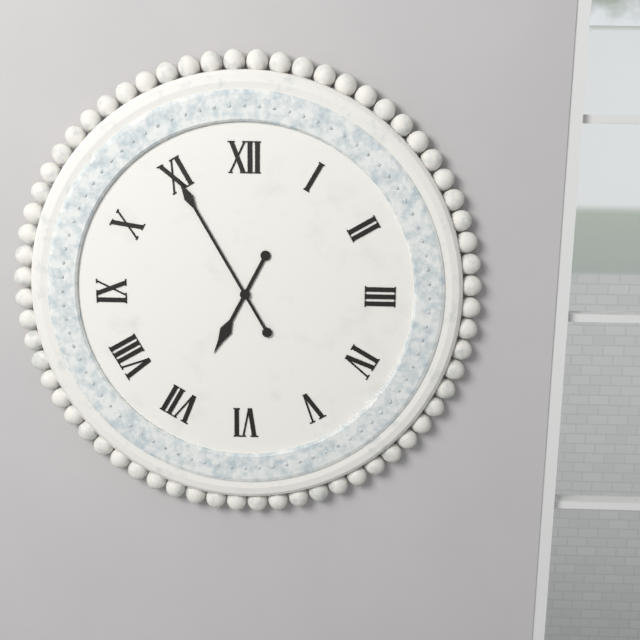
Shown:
6.55
